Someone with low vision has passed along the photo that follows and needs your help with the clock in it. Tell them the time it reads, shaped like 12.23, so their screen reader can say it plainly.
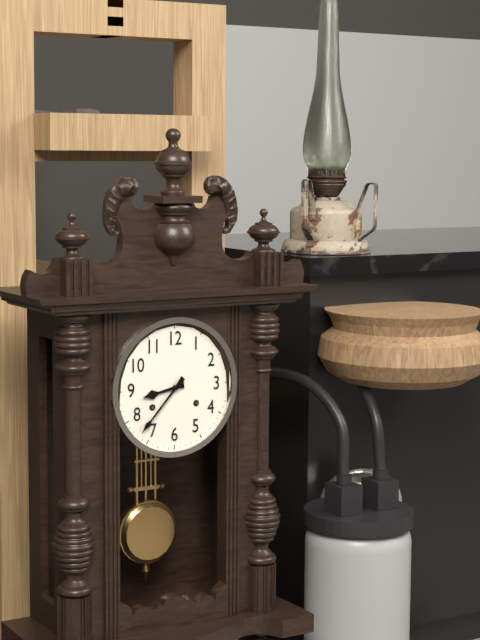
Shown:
8.37
